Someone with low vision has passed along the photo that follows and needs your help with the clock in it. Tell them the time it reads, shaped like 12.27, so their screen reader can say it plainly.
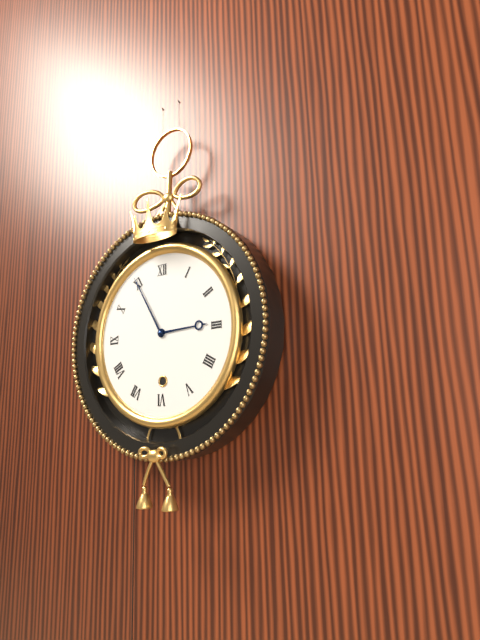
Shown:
2.55
